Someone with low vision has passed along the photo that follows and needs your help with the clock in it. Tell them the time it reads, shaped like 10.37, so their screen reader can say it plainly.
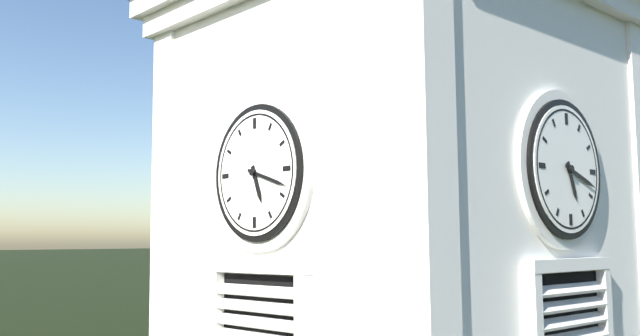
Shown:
5.18
